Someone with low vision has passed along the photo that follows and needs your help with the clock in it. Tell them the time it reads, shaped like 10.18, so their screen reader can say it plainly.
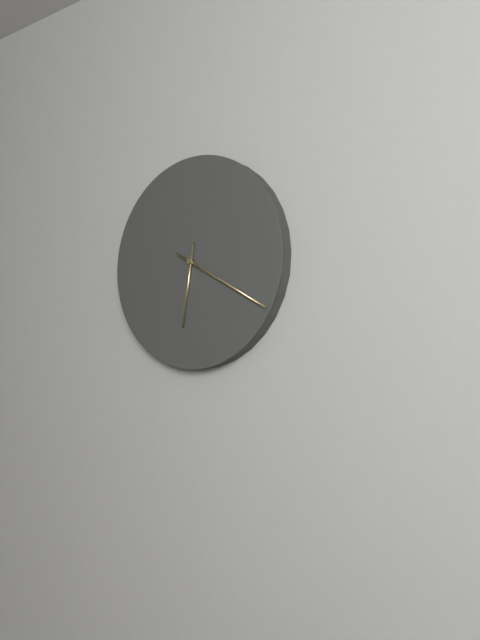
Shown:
6.20
